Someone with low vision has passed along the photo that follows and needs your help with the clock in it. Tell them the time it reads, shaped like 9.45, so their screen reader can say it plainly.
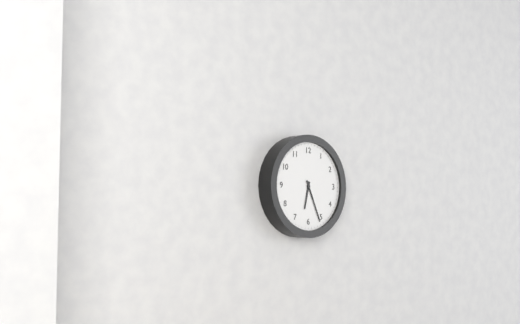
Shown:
6.26
